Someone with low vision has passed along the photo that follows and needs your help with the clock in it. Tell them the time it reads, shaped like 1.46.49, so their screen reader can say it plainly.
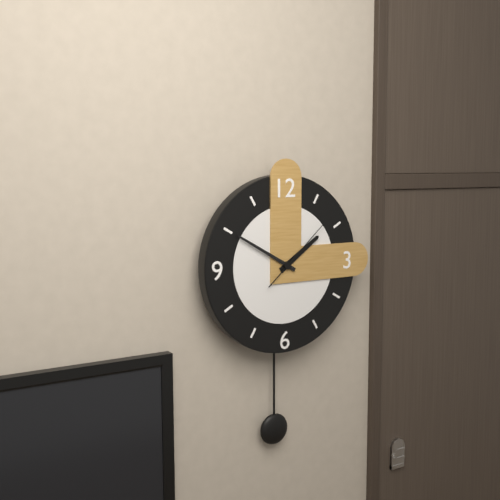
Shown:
1.50.08
